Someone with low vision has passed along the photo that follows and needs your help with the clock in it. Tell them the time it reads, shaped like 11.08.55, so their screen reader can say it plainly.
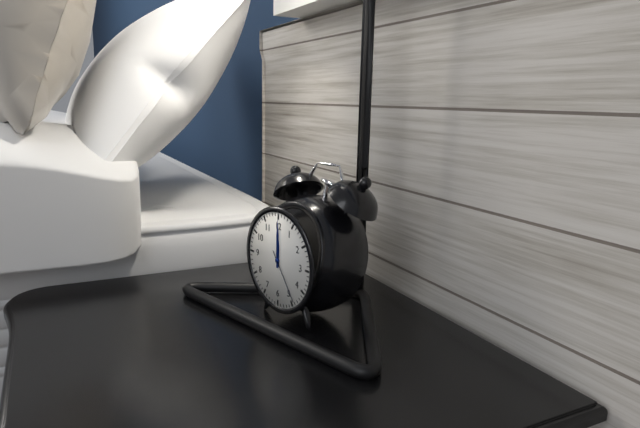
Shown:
12.00.24
